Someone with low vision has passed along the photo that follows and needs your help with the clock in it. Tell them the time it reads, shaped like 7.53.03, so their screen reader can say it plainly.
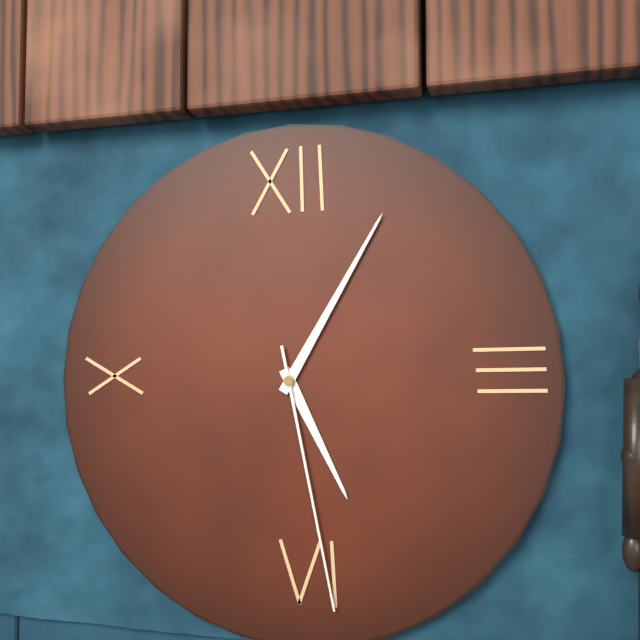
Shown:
5.05.28
